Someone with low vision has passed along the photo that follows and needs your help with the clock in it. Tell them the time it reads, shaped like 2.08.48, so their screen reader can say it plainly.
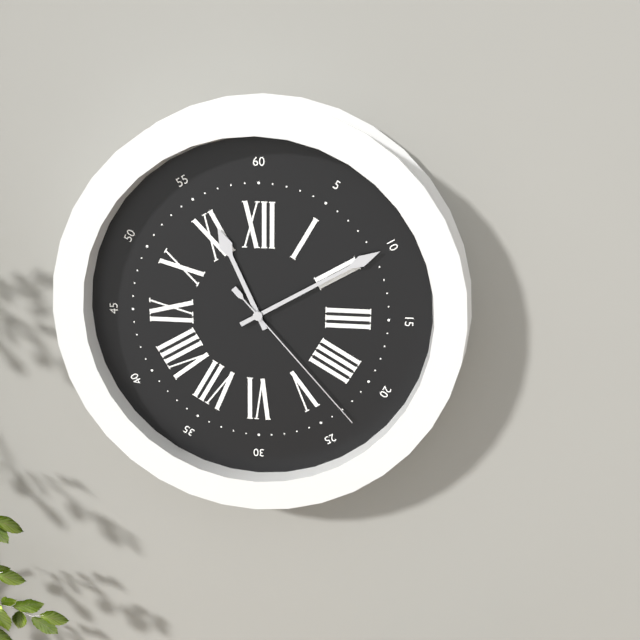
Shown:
11.10.23
